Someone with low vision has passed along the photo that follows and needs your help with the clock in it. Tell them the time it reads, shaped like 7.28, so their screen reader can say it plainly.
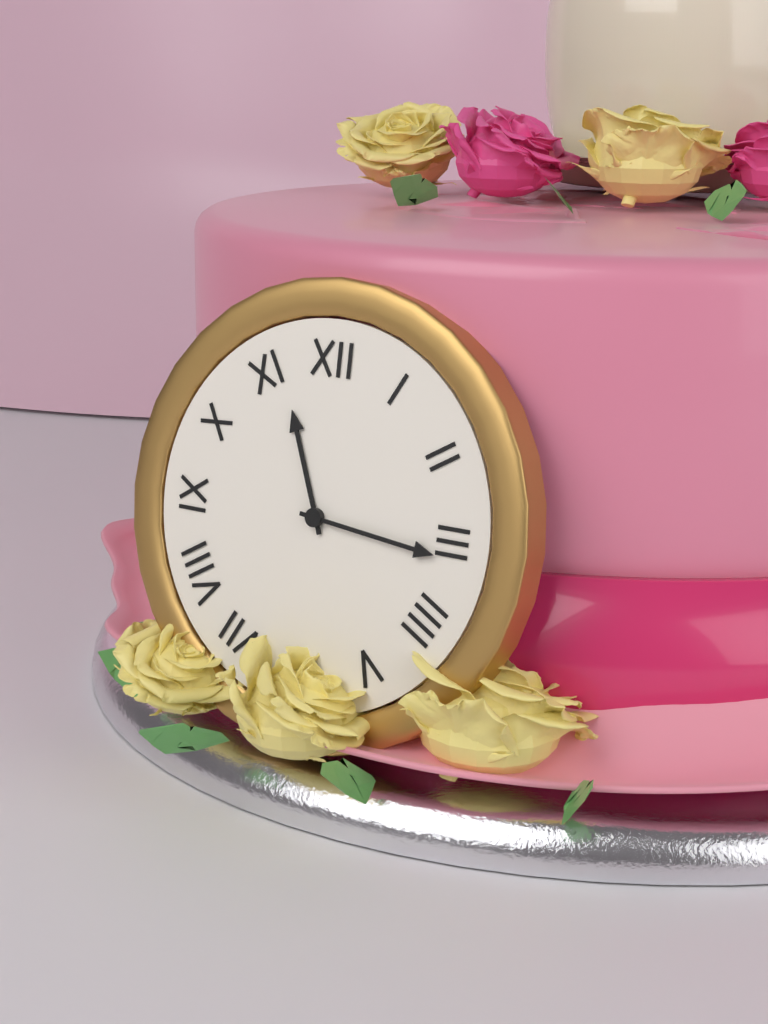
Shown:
11.16
